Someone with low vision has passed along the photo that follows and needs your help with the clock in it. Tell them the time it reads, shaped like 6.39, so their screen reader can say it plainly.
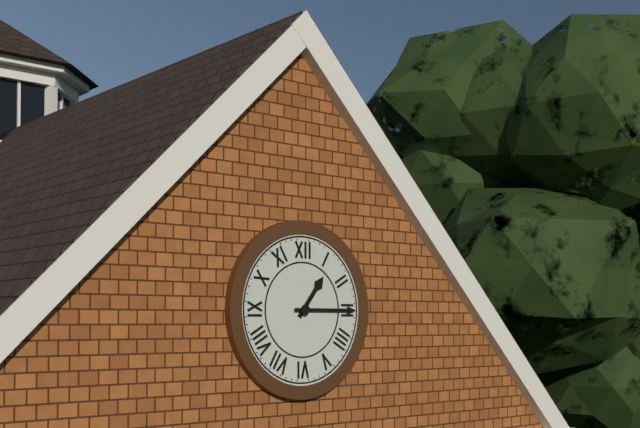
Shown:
1.15
